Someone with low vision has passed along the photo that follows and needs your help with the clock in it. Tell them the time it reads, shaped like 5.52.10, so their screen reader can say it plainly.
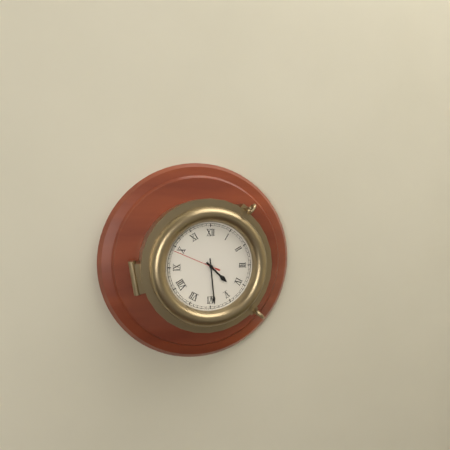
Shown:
4.29.49
